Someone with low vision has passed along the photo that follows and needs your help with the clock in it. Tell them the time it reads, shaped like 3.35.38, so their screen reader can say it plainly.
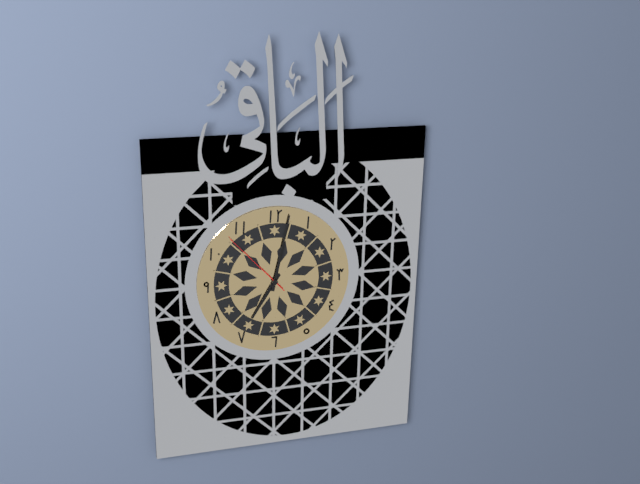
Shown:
7.02.53
